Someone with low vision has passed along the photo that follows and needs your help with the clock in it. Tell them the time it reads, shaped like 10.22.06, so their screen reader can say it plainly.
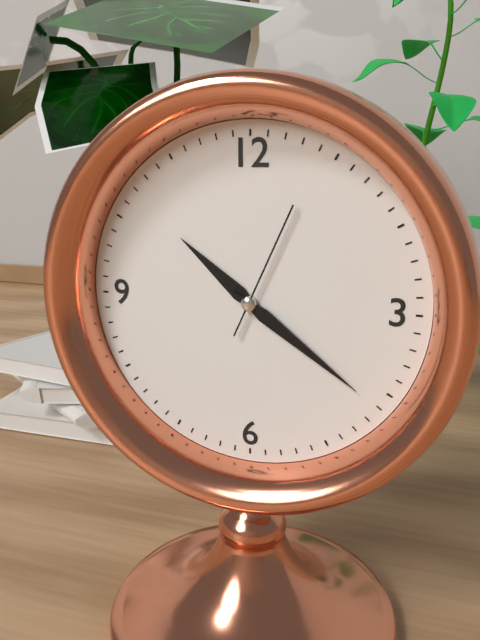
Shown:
10.21.04
